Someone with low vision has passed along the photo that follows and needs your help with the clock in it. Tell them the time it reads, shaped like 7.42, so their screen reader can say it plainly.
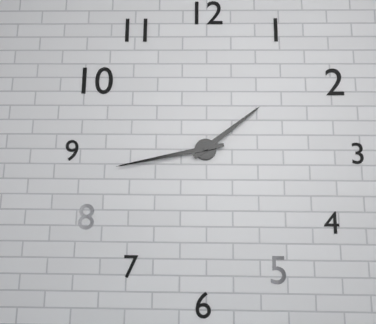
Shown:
1.43
